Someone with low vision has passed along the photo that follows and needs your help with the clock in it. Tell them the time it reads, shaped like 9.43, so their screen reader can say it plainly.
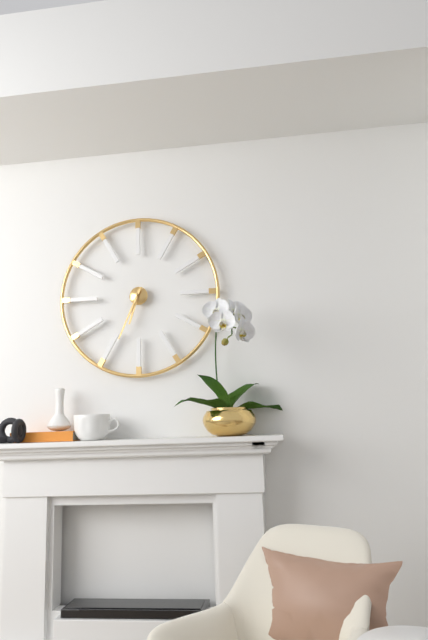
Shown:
6.34
